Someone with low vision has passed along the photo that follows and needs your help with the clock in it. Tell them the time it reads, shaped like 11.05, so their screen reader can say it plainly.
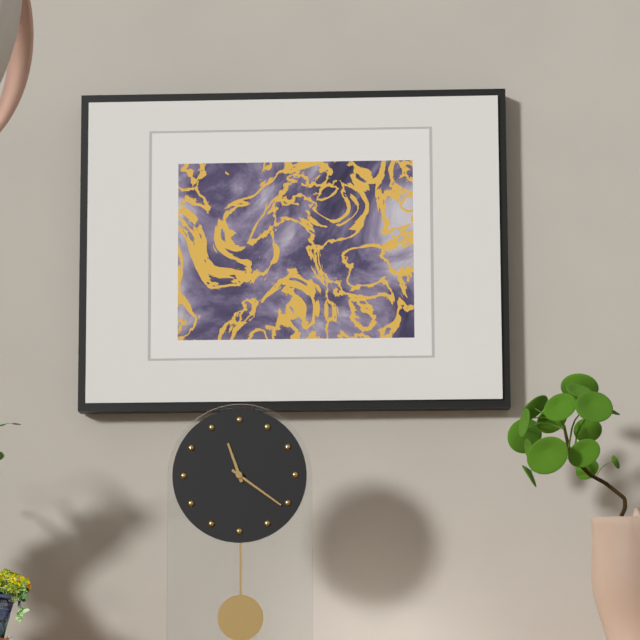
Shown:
11.21
